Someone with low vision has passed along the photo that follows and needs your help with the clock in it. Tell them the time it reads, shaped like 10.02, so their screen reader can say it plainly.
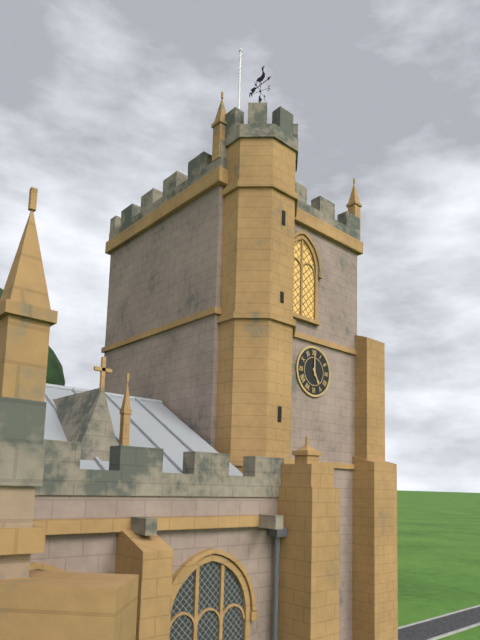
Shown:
5.00
